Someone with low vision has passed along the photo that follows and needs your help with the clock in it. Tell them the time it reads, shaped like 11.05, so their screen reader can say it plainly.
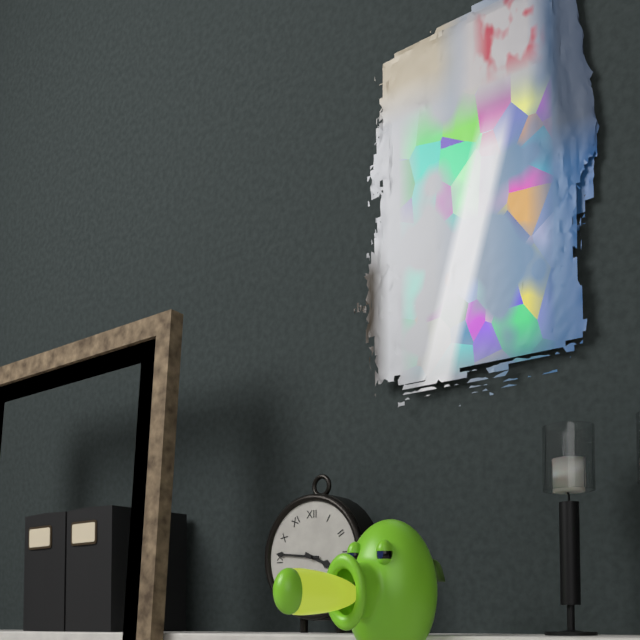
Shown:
3.46
